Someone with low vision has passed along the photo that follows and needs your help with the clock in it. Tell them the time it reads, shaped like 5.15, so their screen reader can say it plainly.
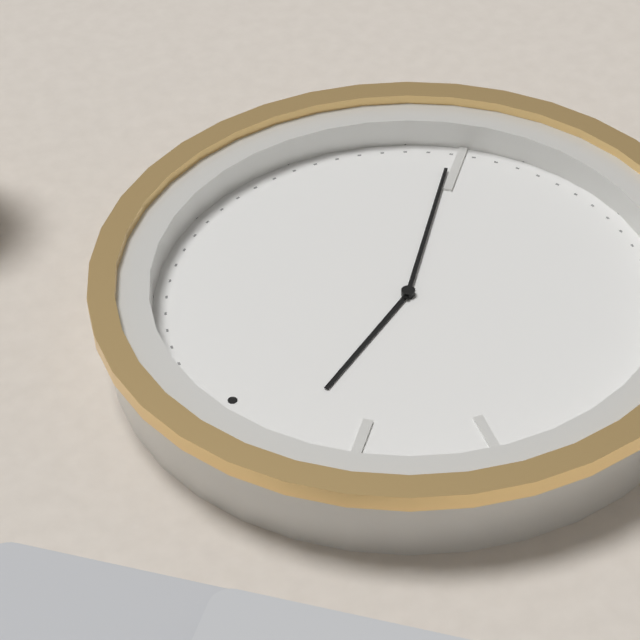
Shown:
11.24
